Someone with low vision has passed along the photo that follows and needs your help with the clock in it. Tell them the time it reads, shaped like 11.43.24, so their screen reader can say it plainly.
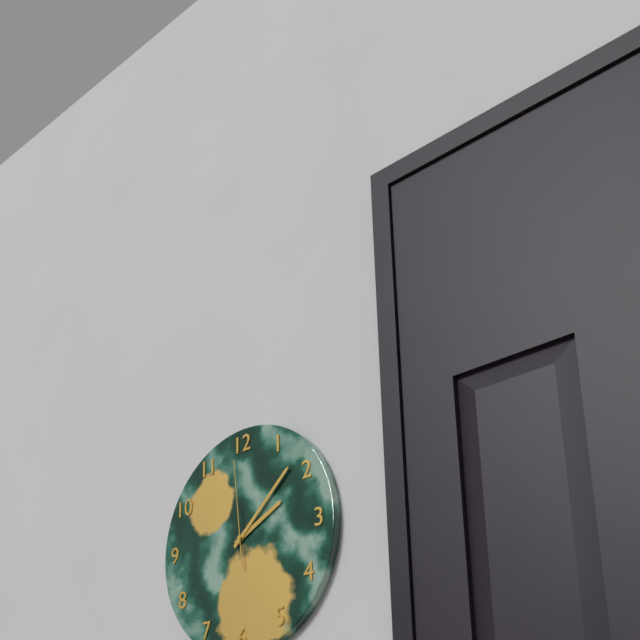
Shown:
2.08.59
